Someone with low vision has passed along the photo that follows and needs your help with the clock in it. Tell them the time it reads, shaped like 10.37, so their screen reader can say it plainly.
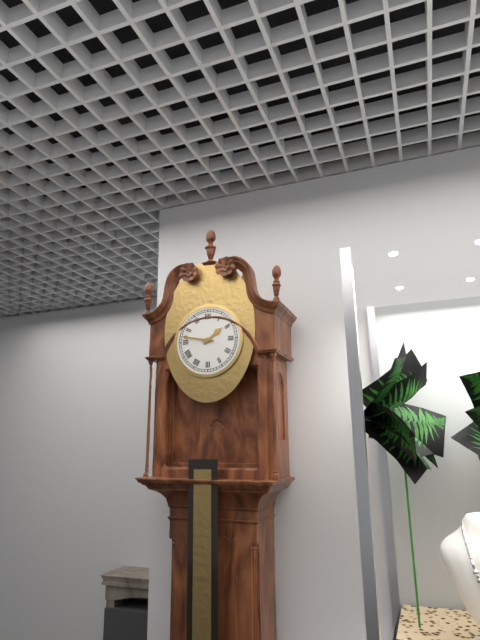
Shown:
1.47
